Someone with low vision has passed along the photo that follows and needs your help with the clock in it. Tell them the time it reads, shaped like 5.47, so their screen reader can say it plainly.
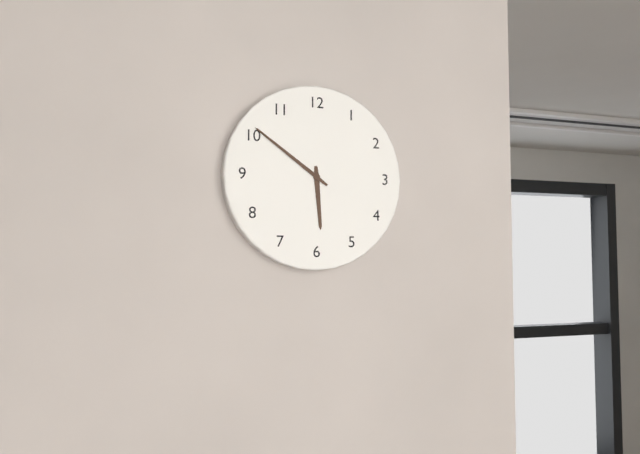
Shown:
5.51
